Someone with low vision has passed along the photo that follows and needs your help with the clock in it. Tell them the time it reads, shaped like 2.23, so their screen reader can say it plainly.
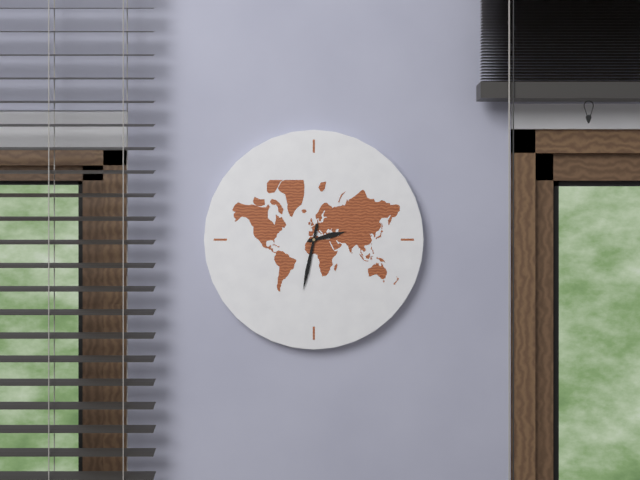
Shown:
2.32
